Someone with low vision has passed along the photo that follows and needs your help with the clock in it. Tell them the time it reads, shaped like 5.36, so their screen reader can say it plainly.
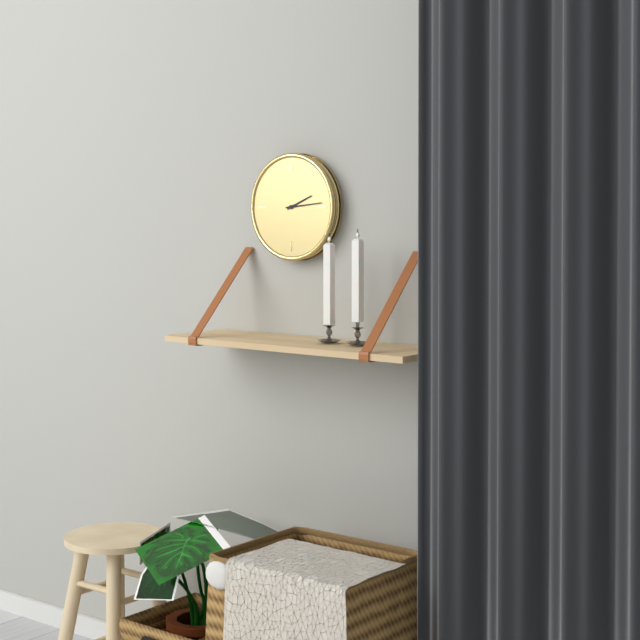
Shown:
2.14
